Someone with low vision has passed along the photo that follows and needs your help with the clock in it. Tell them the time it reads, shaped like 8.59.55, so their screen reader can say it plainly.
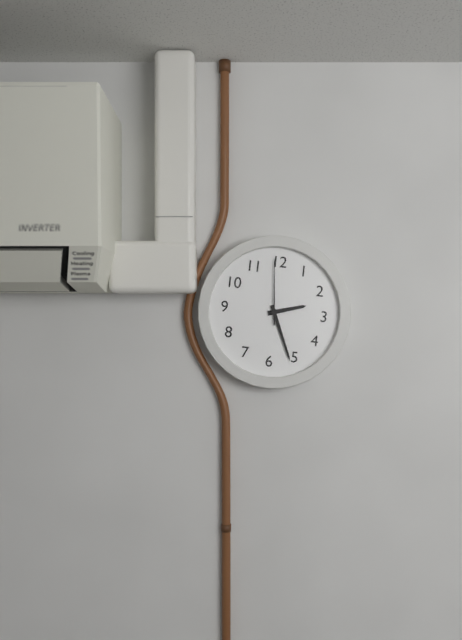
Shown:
2.26.59
